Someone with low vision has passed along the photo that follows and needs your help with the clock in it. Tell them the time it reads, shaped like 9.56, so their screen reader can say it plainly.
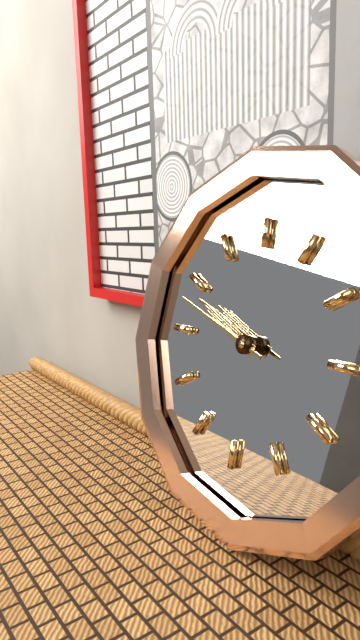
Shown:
9.48
